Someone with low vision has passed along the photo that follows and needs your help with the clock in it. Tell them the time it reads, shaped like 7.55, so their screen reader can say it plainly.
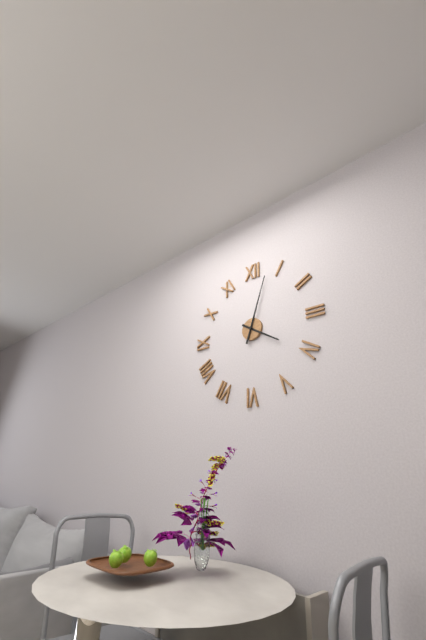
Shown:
4.03
